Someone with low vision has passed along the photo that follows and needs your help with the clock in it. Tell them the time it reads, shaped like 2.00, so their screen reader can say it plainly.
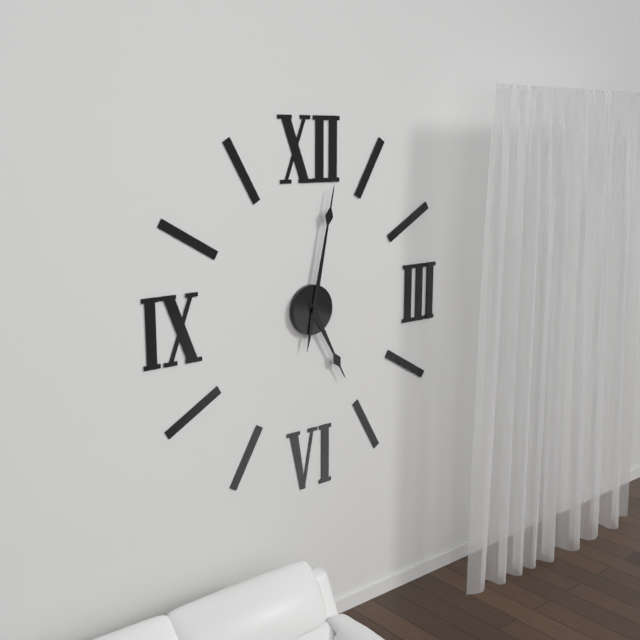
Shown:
5.02
